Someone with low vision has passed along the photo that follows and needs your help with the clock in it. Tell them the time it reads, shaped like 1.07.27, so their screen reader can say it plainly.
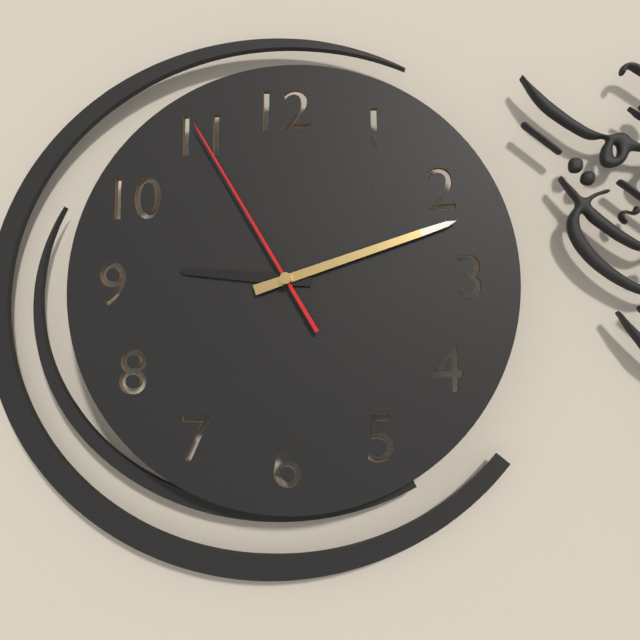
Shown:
9.12.55
